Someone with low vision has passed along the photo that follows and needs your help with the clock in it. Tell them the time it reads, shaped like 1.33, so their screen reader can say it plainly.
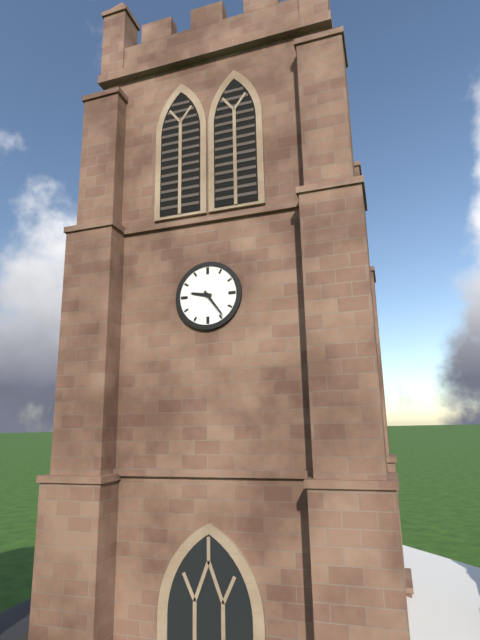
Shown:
9.24
